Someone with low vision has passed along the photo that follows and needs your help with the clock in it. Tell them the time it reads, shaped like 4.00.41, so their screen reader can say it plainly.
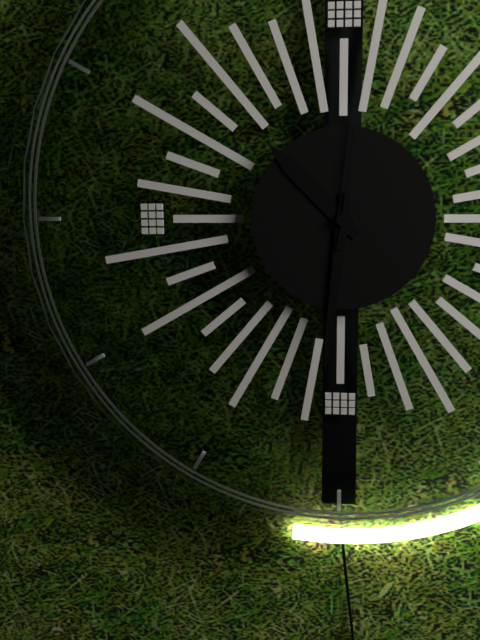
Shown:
10.31.01
